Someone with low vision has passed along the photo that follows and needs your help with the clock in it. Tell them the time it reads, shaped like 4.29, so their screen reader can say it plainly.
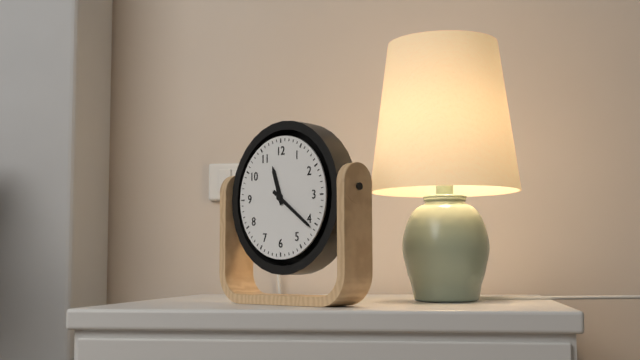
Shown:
11.21
